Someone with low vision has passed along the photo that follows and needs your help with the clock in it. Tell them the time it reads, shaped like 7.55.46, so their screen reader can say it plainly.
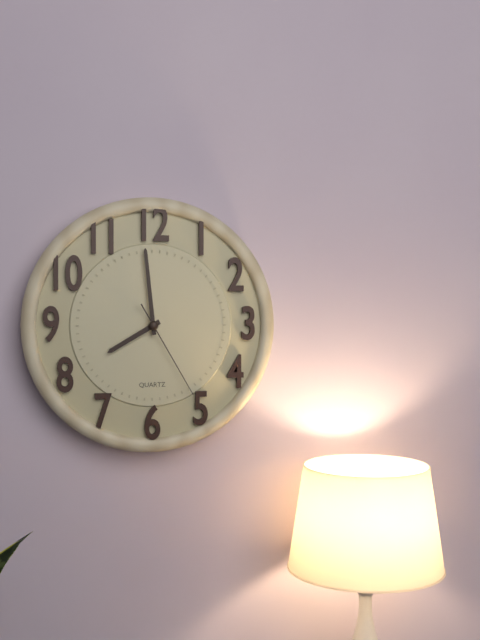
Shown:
7.59.25
